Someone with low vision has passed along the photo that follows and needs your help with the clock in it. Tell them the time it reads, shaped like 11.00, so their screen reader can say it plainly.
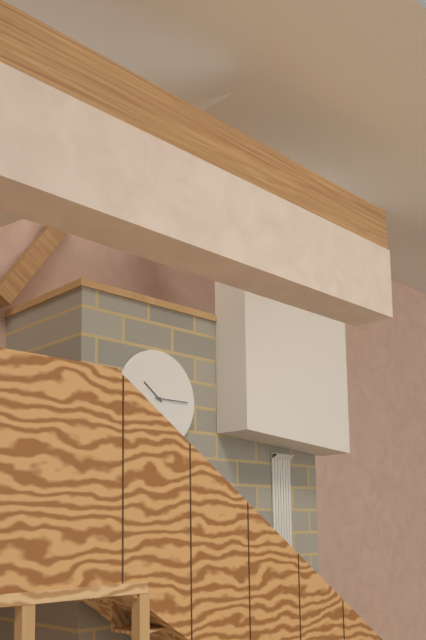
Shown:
10.15
